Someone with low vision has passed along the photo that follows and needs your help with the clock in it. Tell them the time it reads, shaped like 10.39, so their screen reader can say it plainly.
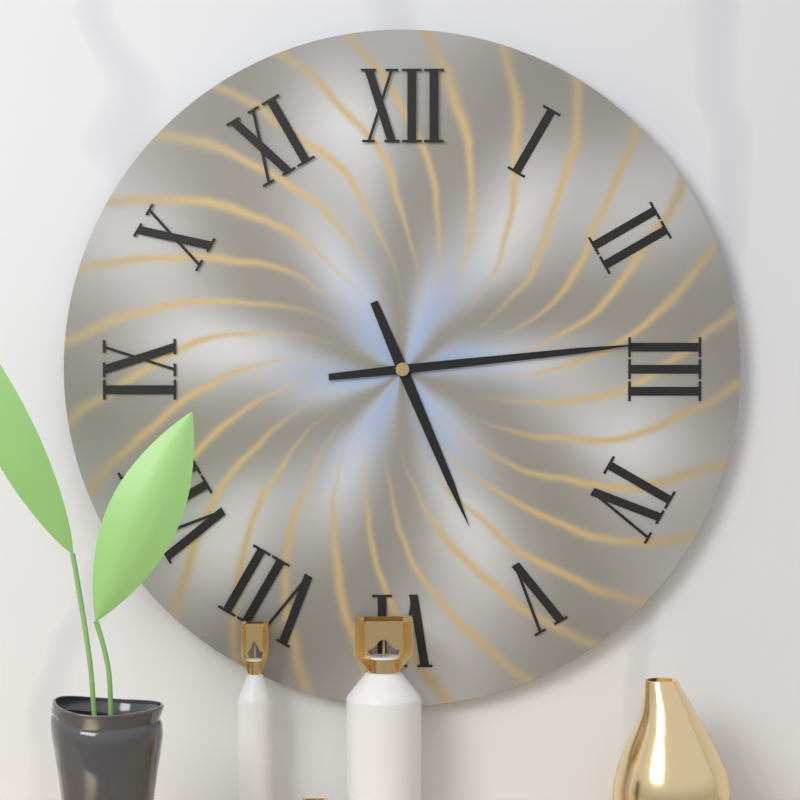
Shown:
5.14
